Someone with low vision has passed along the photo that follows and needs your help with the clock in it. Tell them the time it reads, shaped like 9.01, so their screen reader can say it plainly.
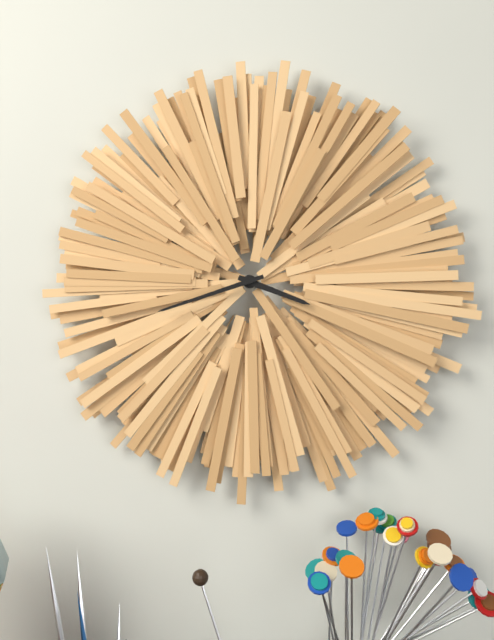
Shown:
3.42
